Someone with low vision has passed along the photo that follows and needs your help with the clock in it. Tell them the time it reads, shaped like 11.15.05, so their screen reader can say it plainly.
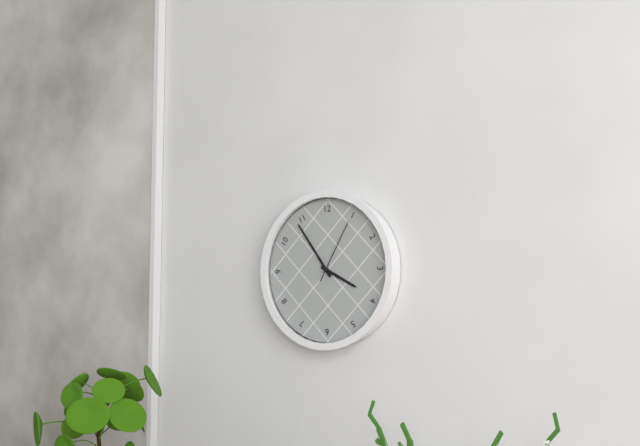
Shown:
3.54.05
